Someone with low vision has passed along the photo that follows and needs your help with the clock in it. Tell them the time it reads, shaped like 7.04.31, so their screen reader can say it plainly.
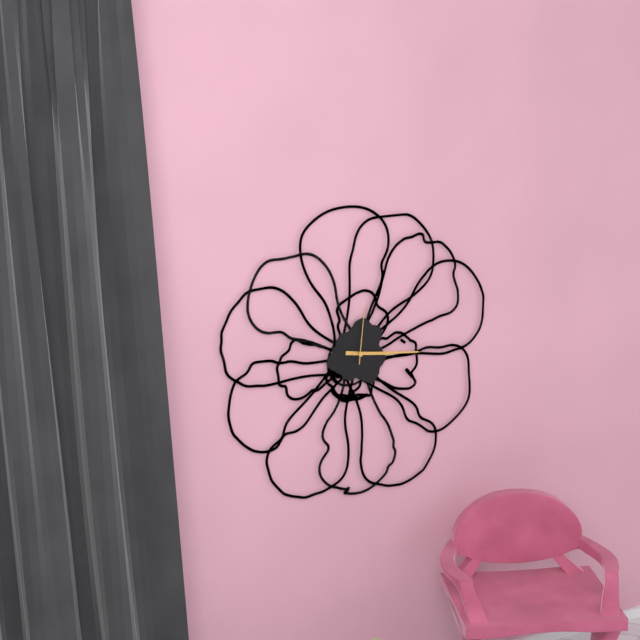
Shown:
3.16.01
